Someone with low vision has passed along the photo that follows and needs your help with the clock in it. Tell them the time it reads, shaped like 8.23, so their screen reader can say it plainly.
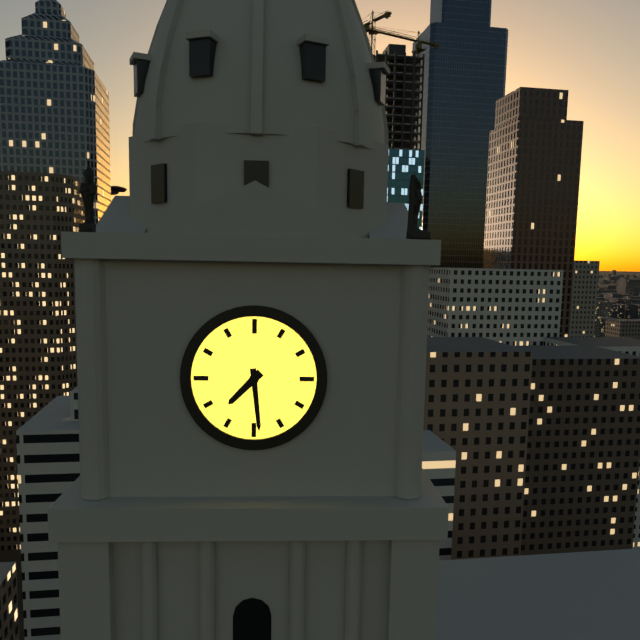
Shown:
7.29
